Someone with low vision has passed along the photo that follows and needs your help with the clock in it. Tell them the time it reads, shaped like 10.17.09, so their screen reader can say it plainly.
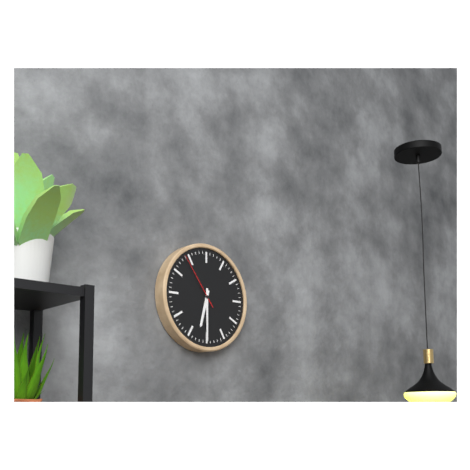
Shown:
6.30.54
